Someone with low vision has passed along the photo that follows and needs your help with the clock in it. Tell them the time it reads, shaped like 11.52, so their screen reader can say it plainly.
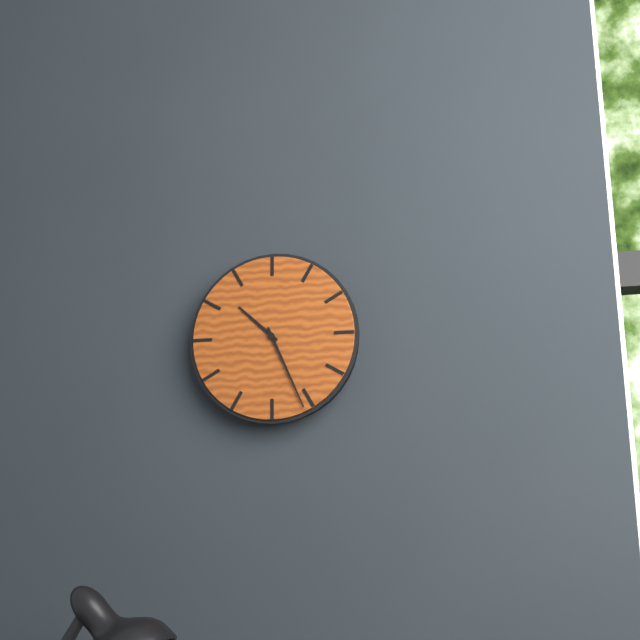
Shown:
10.26
